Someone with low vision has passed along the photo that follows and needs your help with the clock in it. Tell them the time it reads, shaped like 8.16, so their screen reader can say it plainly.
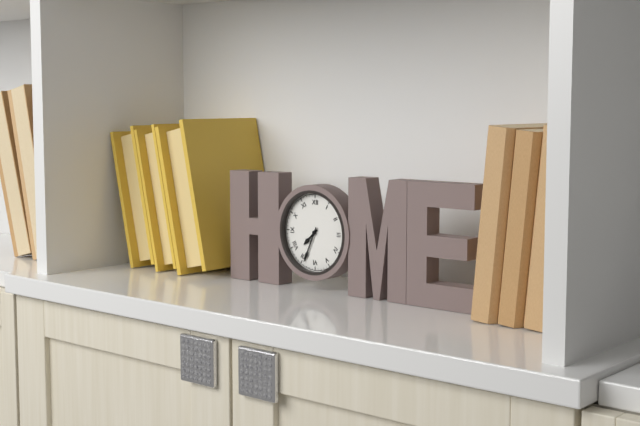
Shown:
7.34
